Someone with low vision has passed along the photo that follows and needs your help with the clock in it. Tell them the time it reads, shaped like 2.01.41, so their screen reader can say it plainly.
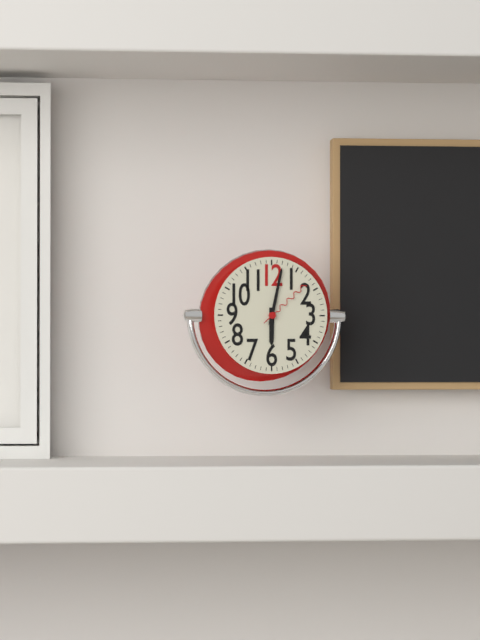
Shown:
6.02.08
